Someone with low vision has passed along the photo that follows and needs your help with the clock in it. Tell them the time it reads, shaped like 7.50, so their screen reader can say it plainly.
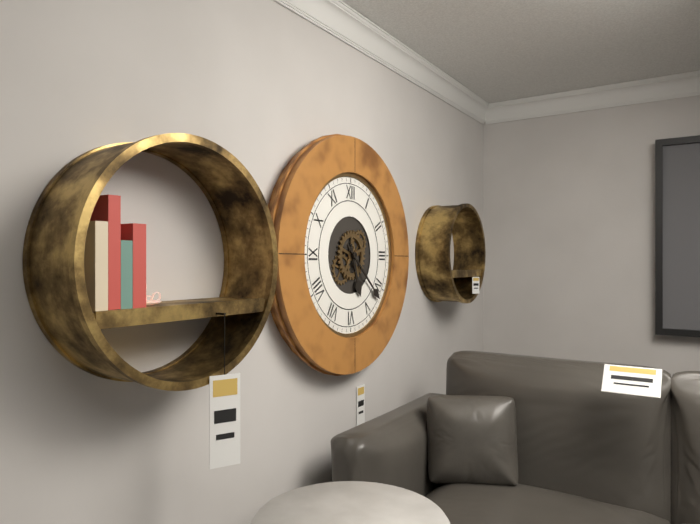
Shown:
5.22
